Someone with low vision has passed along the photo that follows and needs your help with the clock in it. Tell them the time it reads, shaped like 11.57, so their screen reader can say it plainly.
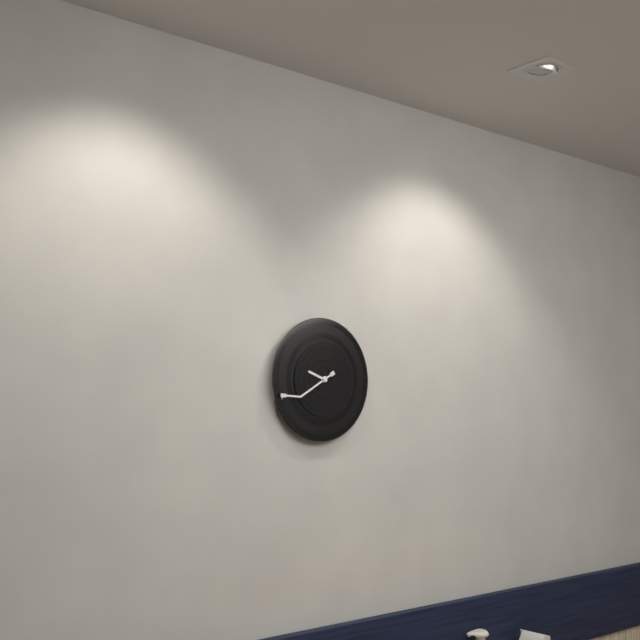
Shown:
9.40
